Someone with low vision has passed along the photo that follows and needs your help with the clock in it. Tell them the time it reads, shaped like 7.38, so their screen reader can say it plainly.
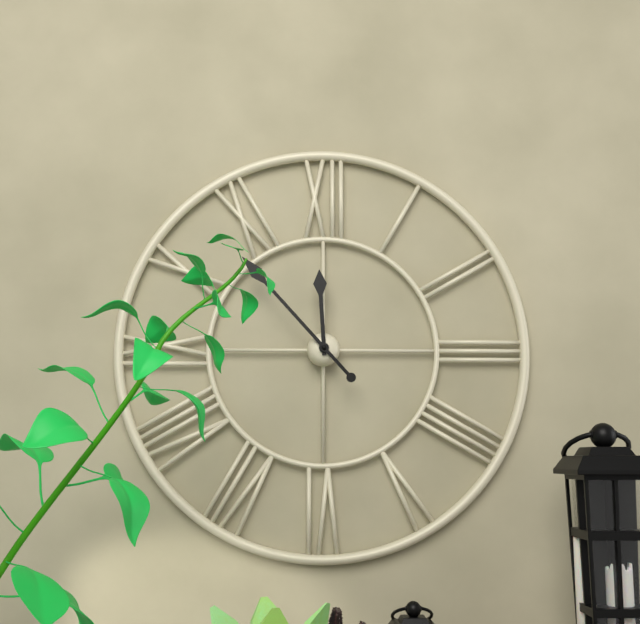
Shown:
11.53
